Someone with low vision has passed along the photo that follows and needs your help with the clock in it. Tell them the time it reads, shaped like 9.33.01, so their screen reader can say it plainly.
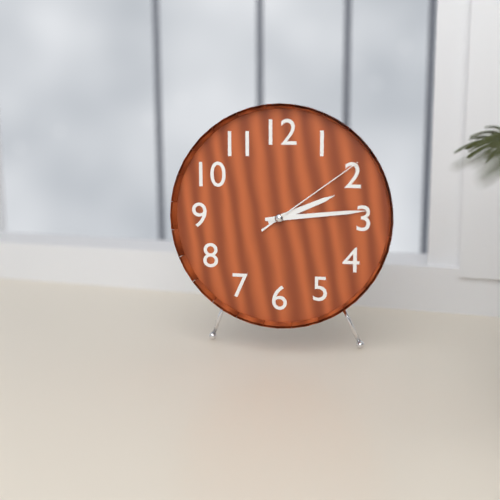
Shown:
2.14.09
